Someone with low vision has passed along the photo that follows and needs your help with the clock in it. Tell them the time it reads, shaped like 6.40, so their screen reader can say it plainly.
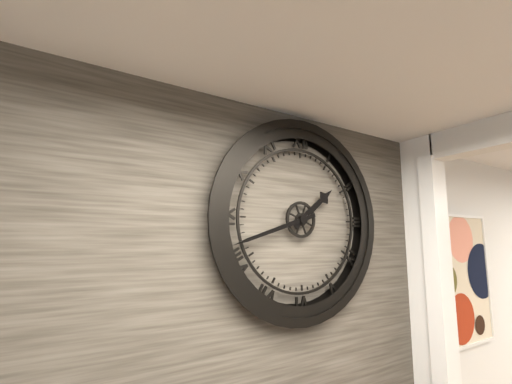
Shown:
1.42
